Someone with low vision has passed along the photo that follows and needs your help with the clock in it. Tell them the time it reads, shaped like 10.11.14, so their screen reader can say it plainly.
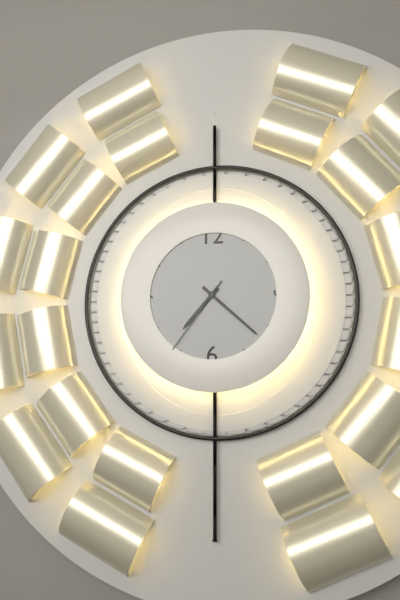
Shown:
7.22.36
